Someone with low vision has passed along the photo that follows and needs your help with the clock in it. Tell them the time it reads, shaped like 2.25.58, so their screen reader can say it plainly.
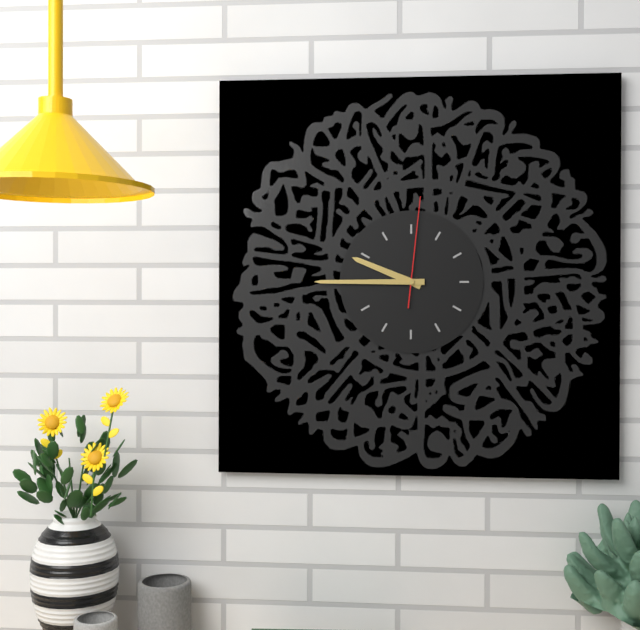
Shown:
9.45.01
